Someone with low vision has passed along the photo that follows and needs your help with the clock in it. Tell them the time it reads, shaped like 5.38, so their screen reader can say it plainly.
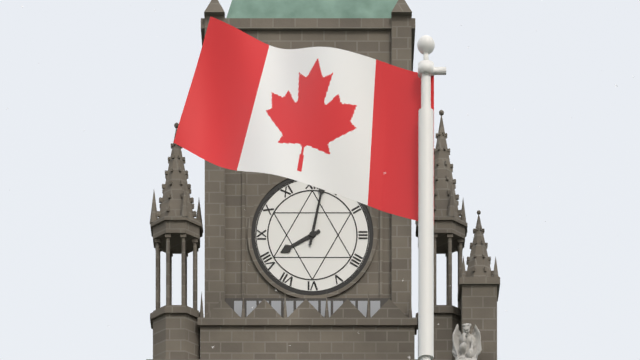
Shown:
8.02
